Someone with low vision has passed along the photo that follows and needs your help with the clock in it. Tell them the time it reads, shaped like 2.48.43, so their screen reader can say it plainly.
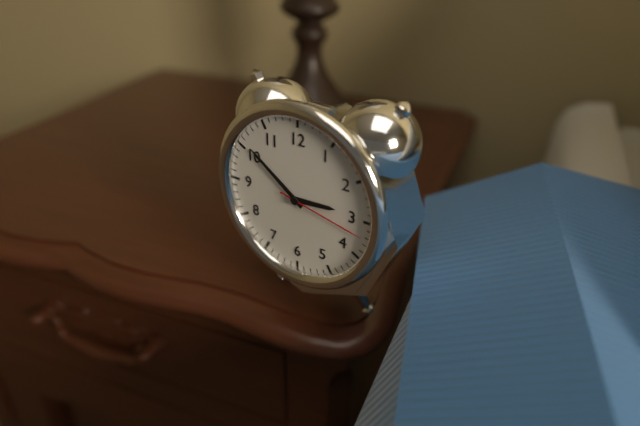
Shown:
2.51.17
